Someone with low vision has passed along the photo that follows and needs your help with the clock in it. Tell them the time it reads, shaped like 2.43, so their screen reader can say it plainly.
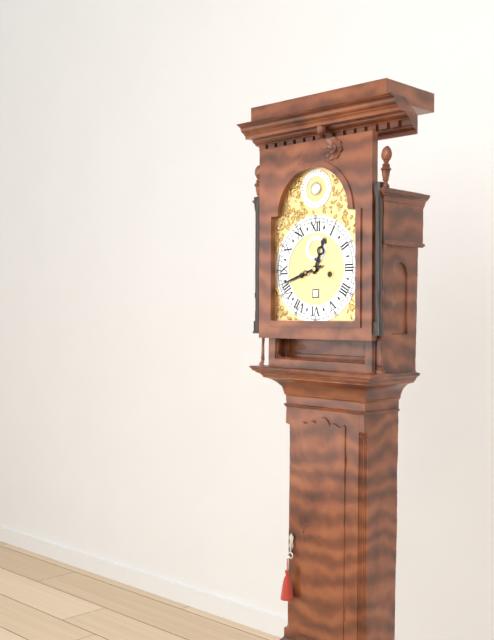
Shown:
12.42
